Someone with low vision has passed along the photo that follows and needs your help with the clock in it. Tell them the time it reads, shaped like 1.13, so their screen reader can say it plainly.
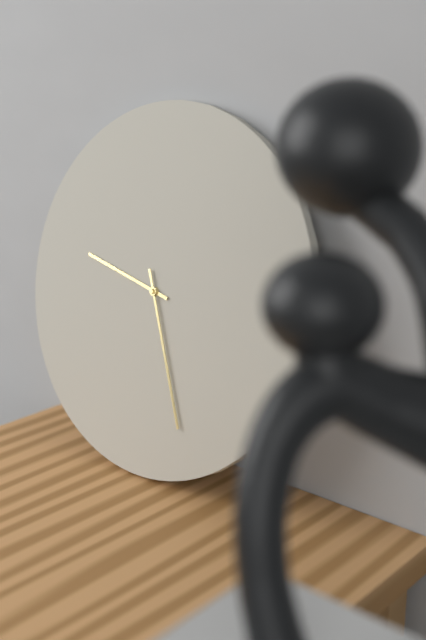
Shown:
9.26
